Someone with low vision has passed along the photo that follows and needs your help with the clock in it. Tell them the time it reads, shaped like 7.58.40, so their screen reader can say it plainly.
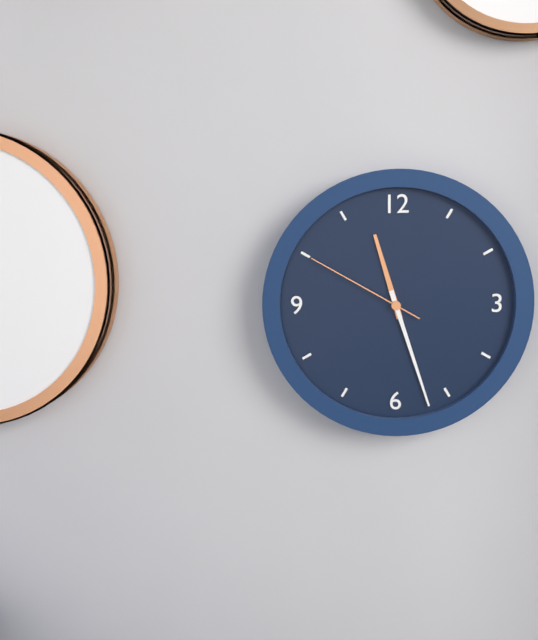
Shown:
11.27.50
